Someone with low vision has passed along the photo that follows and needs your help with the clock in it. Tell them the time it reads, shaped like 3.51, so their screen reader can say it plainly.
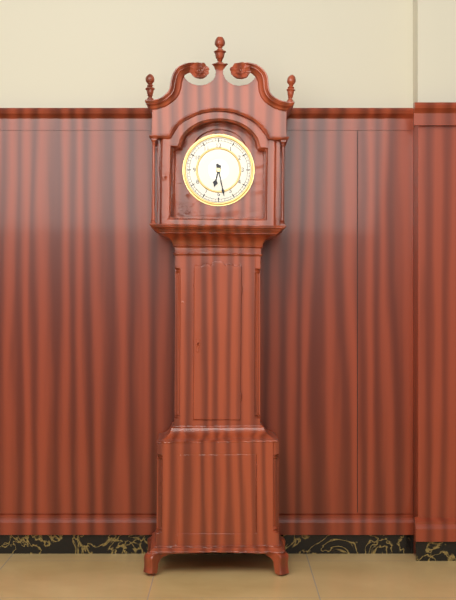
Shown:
6.28
